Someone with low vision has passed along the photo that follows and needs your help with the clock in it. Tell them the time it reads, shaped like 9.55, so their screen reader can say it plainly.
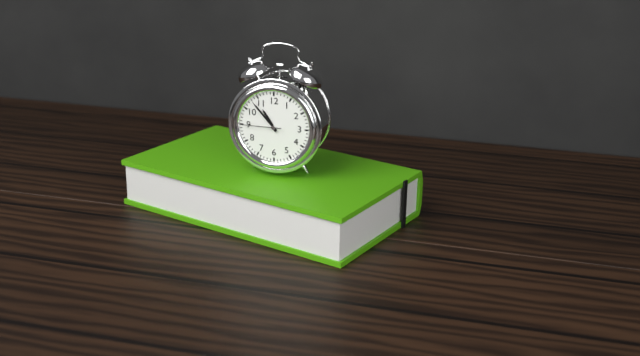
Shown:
10.53
